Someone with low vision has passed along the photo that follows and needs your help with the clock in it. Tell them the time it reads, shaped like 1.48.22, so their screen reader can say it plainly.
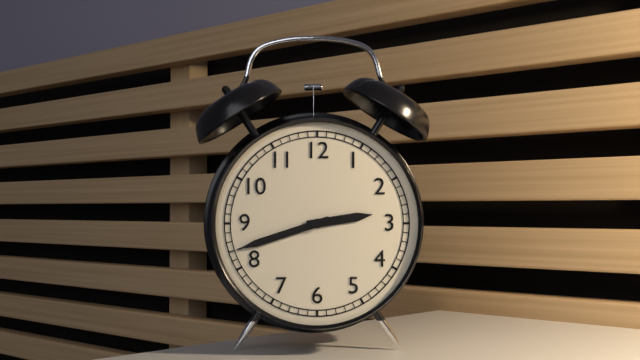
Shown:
2.42.42
